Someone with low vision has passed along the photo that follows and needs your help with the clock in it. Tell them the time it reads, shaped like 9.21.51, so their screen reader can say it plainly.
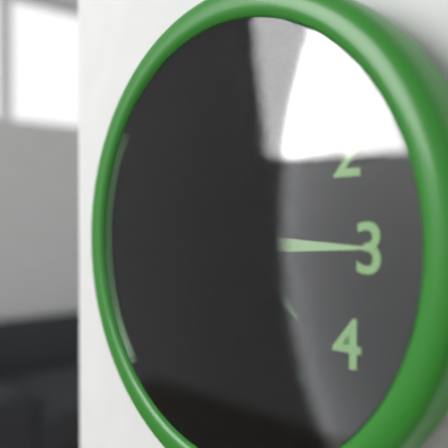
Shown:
4.15.54
